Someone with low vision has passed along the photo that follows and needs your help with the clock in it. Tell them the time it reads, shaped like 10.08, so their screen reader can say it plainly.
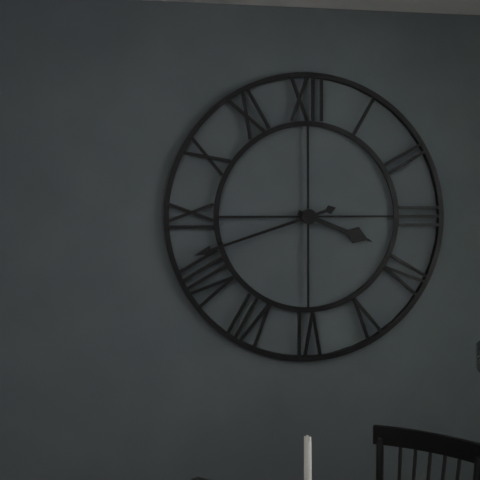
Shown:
3.42
